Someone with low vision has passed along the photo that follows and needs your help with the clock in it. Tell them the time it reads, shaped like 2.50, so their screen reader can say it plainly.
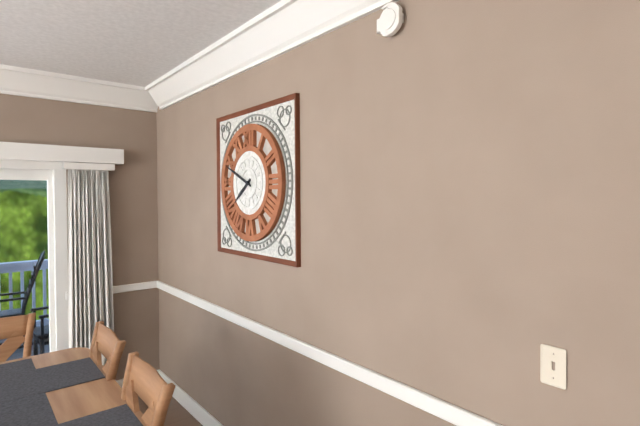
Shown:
7.49
